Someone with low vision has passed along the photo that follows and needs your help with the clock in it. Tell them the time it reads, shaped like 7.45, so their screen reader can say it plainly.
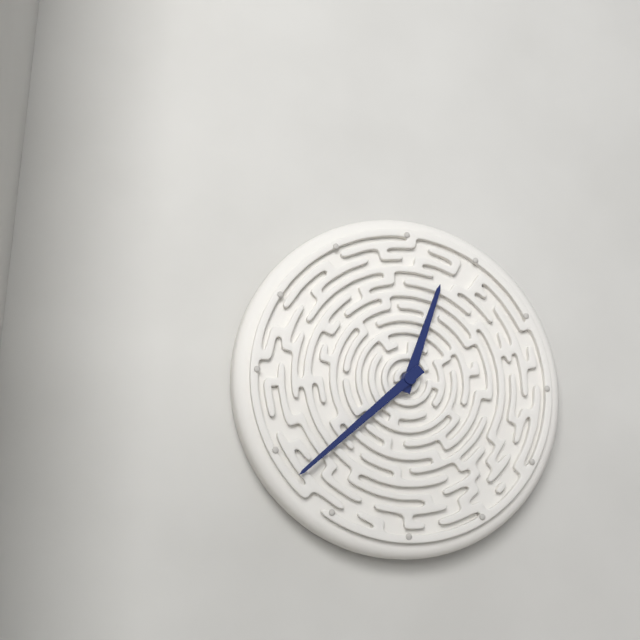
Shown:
12.38
